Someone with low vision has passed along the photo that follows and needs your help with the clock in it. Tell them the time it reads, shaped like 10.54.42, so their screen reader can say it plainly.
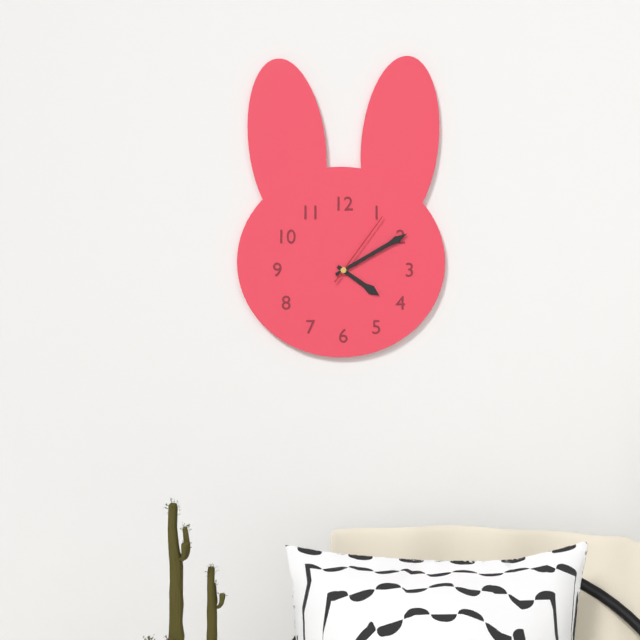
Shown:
4.10.06
